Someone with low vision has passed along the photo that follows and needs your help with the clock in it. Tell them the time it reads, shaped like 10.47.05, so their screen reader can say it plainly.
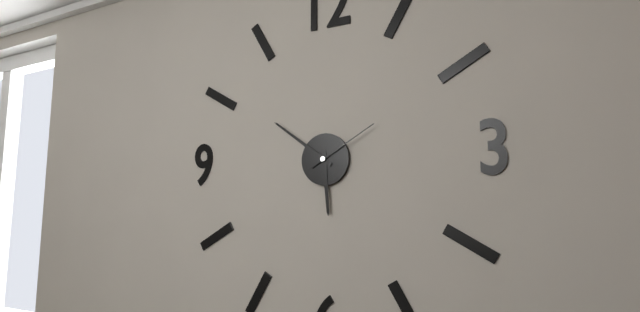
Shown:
5.51.10
